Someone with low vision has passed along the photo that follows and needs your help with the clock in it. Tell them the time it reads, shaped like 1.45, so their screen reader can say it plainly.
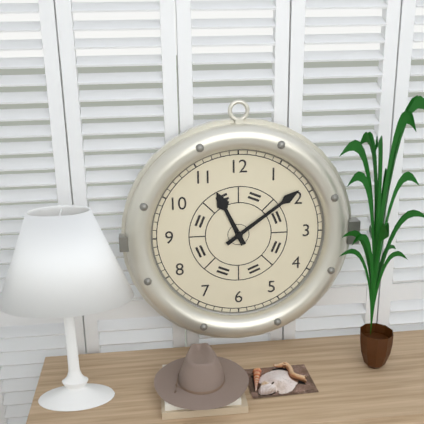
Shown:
11.09
